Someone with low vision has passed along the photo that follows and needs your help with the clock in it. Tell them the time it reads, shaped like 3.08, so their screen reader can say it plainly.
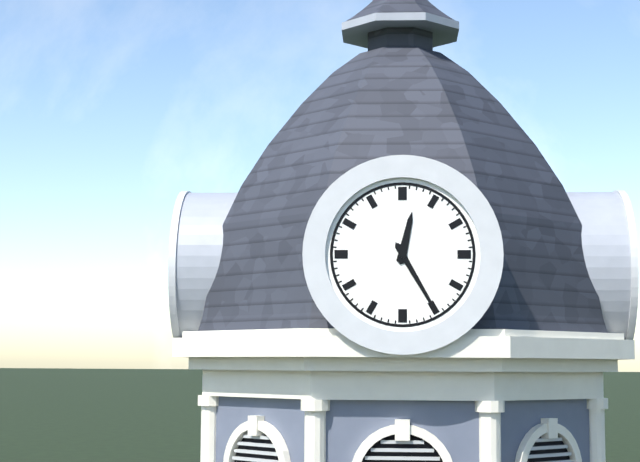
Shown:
12.25
